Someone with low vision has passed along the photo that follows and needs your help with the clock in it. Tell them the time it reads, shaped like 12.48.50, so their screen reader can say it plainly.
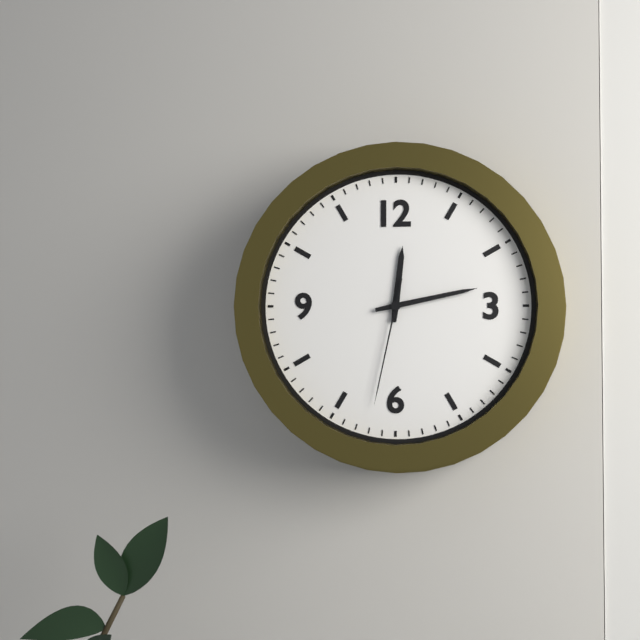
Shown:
12.13.32
